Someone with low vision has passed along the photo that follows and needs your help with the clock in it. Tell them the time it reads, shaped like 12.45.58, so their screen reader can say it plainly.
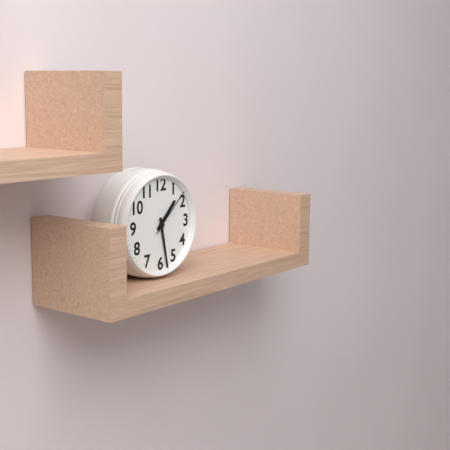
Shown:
1.28.08
